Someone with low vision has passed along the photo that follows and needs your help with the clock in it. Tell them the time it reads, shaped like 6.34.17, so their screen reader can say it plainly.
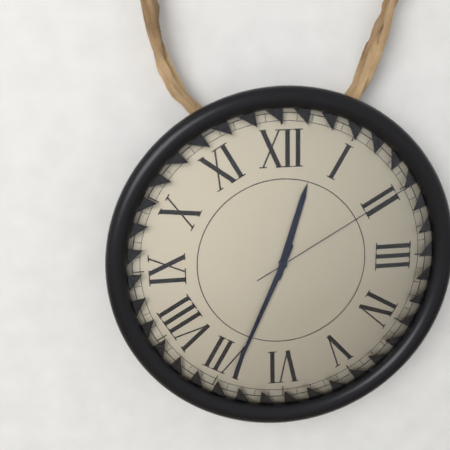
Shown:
12.34.10
